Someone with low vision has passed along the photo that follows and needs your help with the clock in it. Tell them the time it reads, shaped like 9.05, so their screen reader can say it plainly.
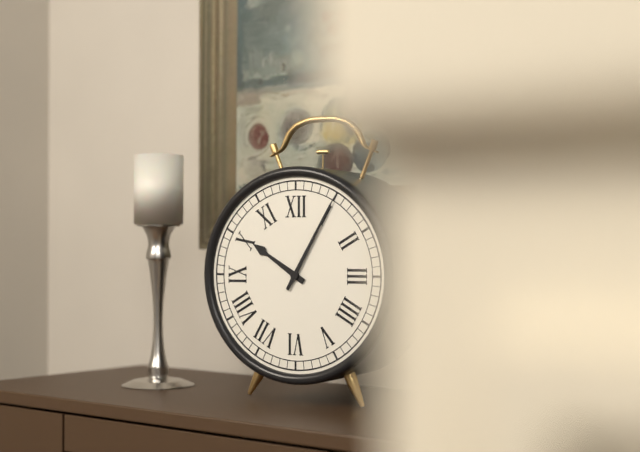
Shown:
10.05
